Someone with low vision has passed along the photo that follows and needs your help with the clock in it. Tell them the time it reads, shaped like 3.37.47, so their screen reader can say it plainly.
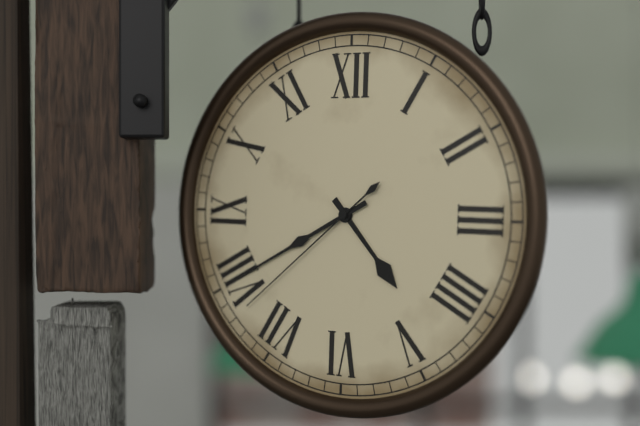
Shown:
4.40.38
